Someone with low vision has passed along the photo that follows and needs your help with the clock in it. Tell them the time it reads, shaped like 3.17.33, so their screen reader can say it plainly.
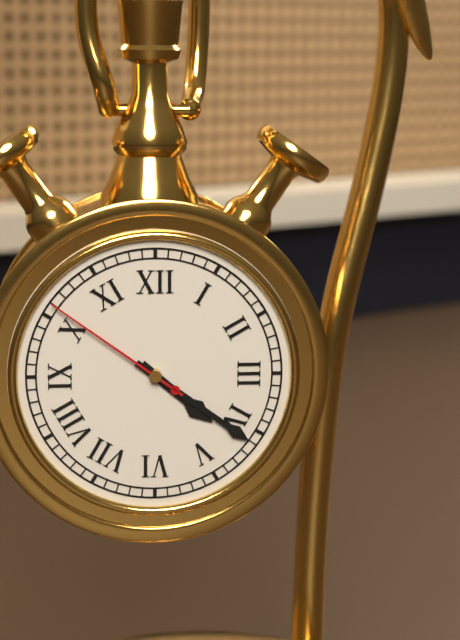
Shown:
4.21.51
